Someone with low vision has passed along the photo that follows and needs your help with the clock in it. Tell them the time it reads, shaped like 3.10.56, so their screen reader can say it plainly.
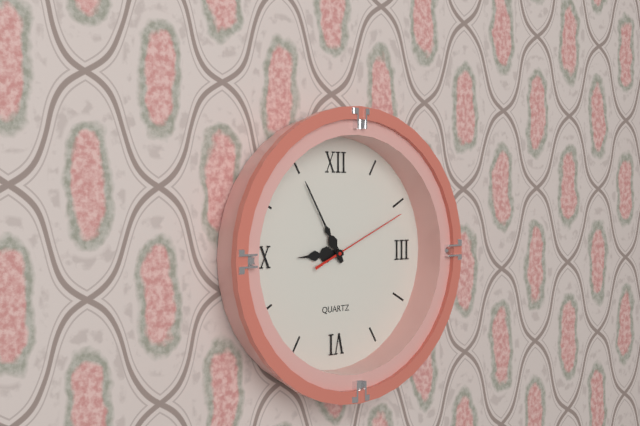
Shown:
8.55.11
